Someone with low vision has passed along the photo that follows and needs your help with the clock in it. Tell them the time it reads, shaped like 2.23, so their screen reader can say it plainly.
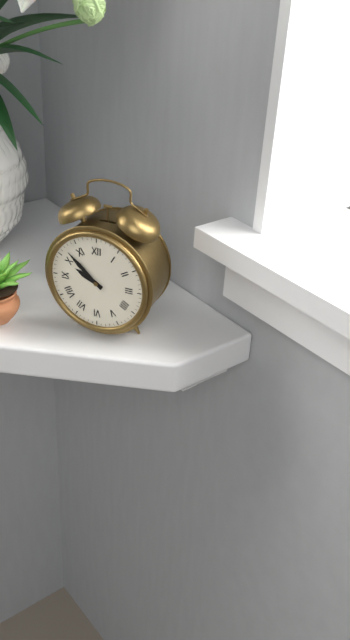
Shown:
9.52
